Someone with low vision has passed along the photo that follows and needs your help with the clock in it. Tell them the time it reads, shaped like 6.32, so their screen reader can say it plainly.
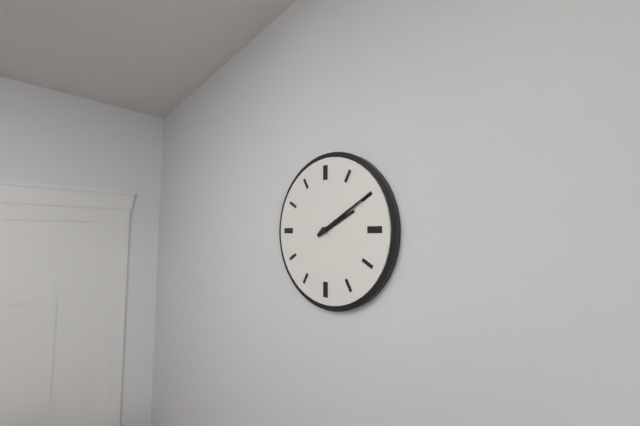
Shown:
2.10
